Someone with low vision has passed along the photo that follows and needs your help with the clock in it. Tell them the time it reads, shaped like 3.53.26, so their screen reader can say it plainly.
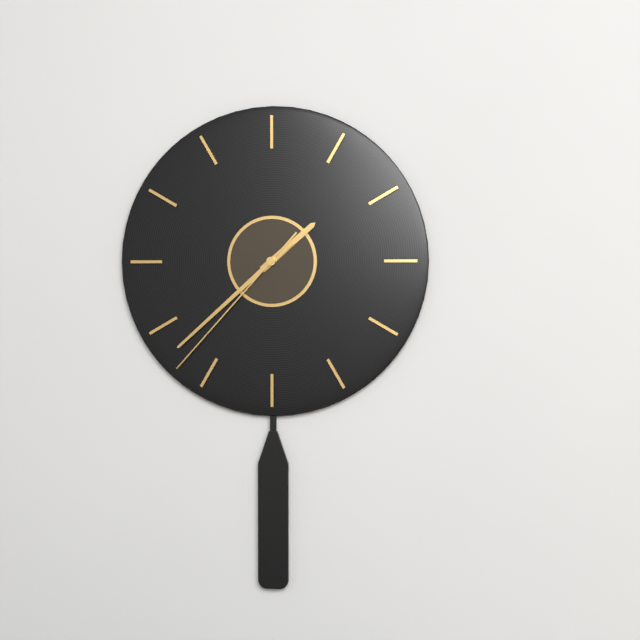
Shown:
1.38.37
